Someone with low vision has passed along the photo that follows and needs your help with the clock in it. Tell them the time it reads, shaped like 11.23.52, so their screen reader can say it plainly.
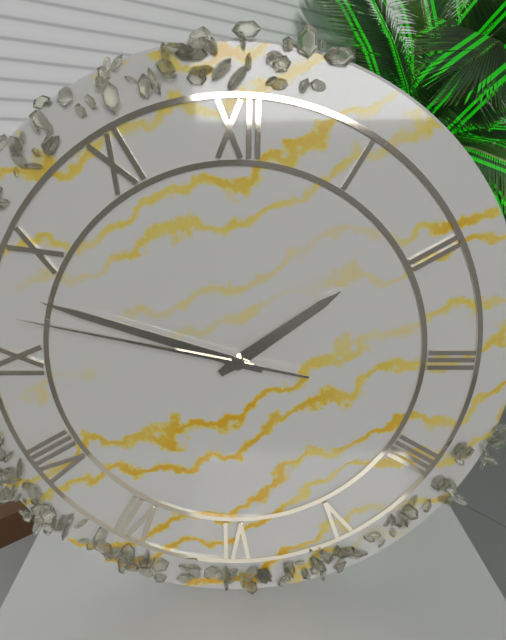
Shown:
1.48.47
